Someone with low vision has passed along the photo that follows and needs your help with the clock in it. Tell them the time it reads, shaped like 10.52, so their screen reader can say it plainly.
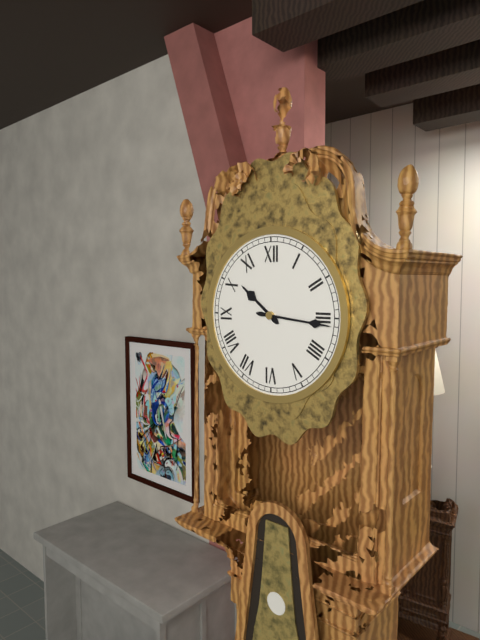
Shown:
10.16
